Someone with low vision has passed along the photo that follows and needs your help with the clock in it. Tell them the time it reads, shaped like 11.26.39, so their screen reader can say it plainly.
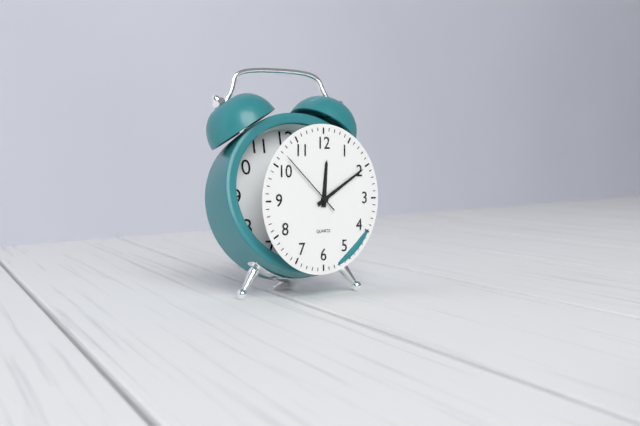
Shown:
12.10.52
